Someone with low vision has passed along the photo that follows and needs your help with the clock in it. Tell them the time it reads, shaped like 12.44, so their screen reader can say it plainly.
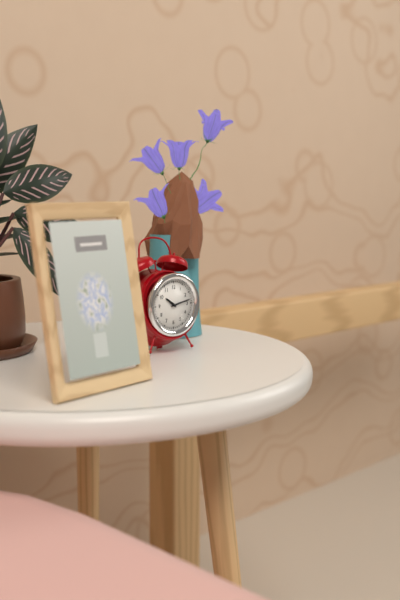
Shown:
10.13
